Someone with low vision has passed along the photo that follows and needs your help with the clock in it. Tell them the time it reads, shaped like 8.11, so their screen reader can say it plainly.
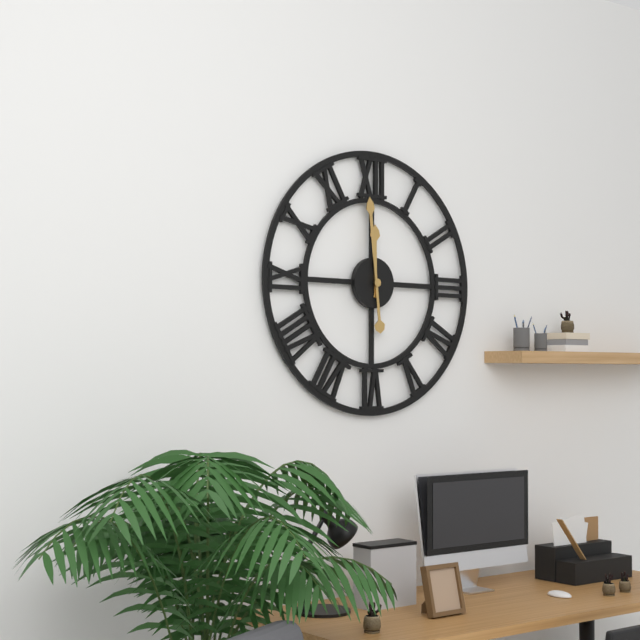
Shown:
11.59
